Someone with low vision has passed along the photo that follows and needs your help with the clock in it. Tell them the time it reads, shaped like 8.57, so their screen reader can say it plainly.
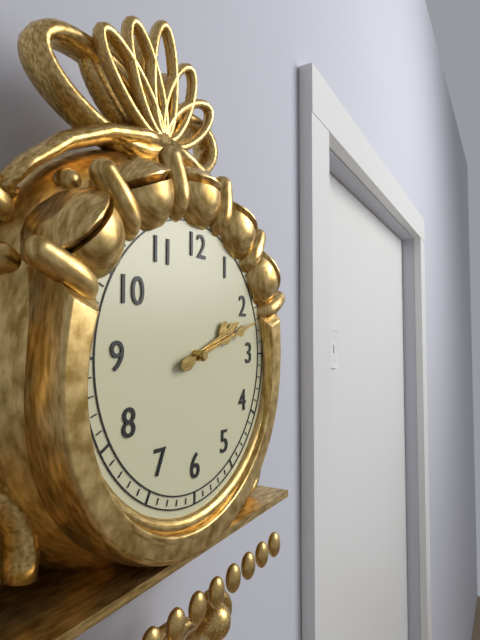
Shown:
2.12
